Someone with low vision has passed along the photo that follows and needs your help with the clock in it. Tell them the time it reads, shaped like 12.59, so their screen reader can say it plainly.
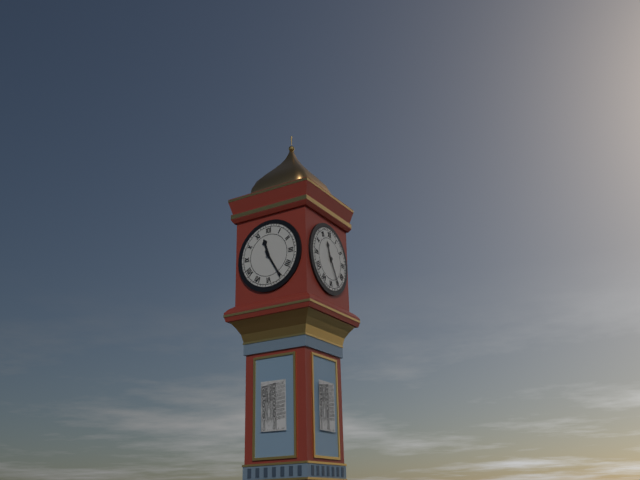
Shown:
11.25
